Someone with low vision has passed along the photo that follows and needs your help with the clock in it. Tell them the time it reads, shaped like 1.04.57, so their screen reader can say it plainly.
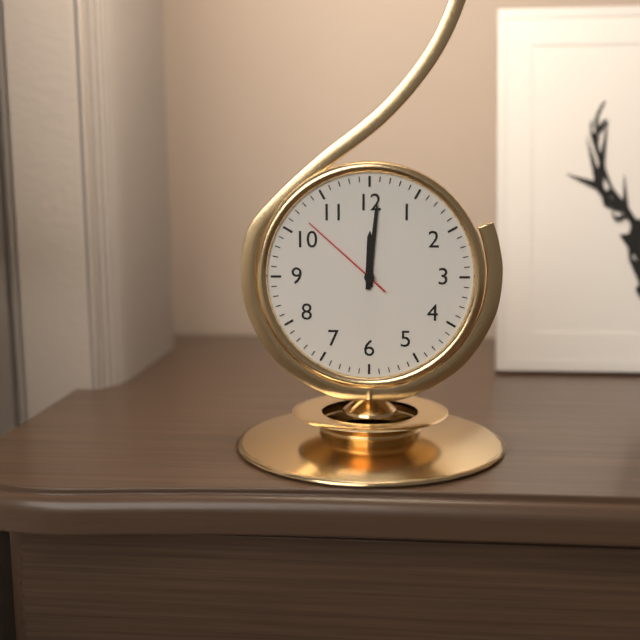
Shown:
12.01.52
